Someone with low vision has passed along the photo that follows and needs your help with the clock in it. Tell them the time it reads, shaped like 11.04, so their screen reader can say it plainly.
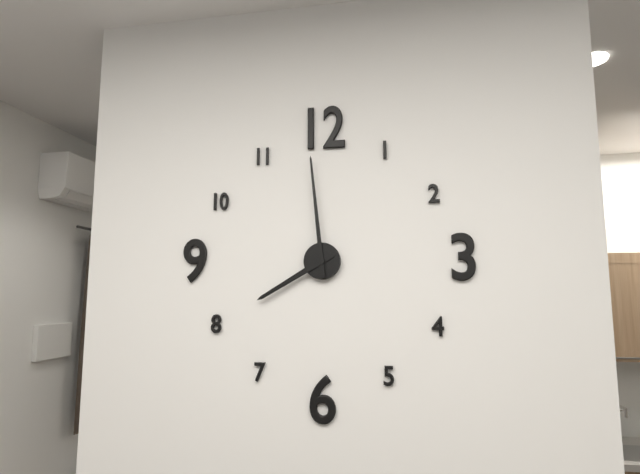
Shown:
7.59
